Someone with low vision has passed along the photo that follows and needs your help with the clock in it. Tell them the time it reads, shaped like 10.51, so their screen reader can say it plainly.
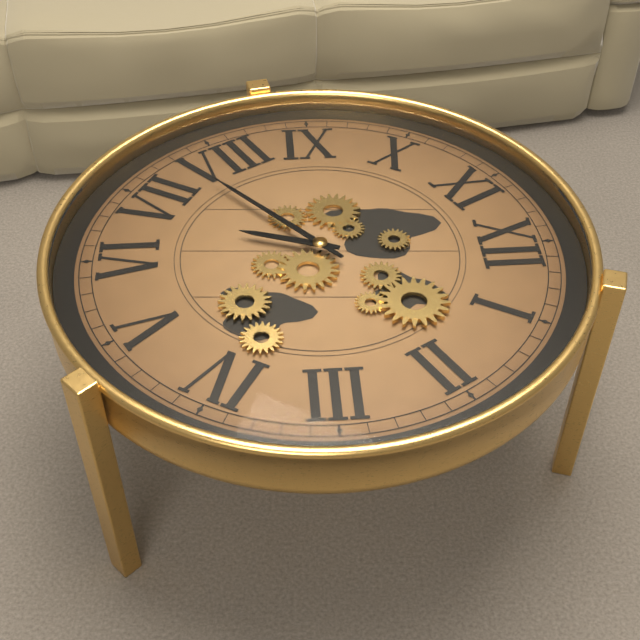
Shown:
6.38
